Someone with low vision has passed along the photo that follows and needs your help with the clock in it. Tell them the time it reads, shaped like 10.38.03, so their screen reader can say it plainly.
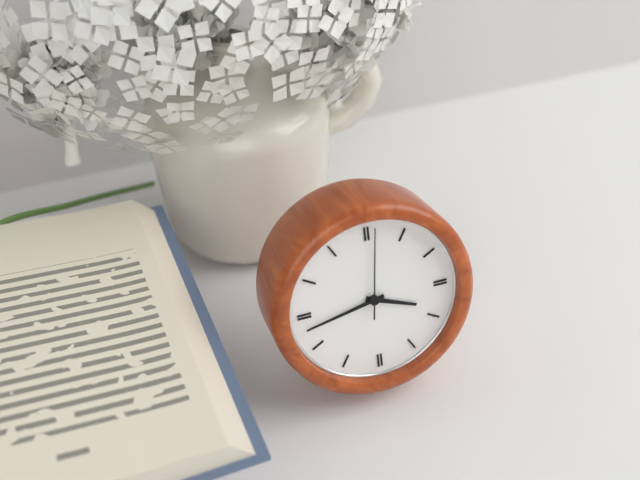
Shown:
3.43.01
